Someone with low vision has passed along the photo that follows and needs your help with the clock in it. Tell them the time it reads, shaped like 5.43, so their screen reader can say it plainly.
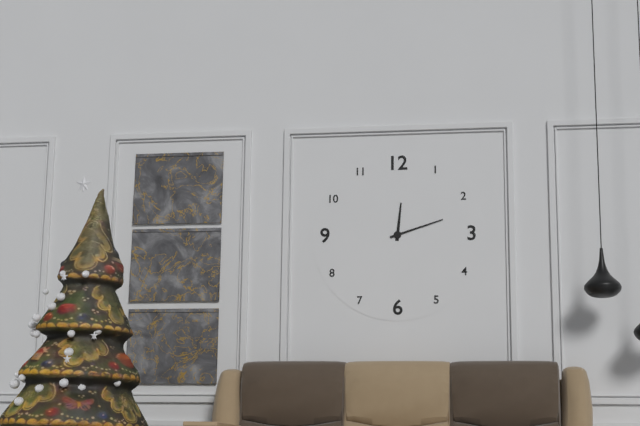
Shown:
12.12
